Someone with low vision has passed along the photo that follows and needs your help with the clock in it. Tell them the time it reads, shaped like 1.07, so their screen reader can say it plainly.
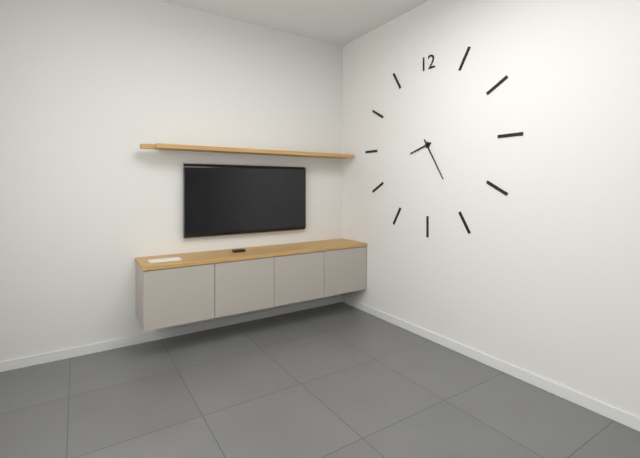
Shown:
8.25
